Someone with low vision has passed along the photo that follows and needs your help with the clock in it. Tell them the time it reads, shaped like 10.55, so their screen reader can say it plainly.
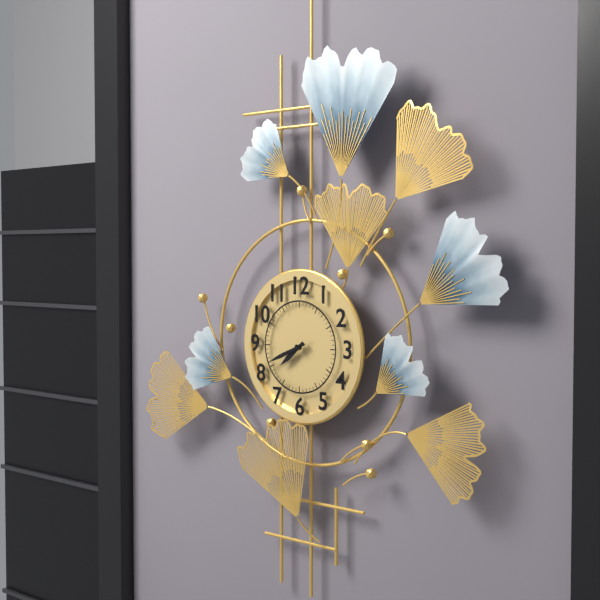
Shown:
7.41
